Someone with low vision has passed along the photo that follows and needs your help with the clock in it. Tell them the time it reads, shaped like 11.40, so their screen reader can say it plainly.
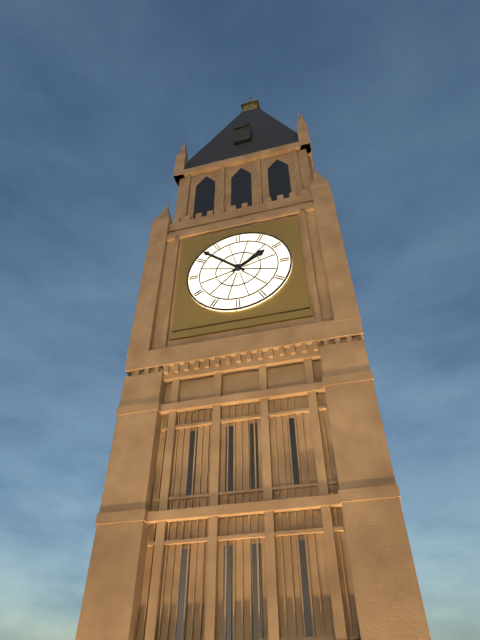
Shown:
1.52
